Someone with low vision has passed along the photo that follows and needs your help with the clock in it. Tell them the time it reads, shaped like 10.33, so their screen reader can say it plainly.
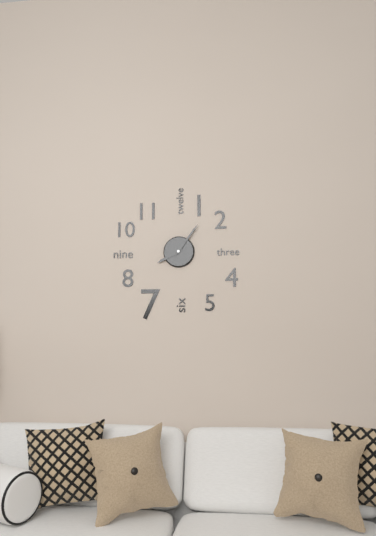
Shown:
8.06
